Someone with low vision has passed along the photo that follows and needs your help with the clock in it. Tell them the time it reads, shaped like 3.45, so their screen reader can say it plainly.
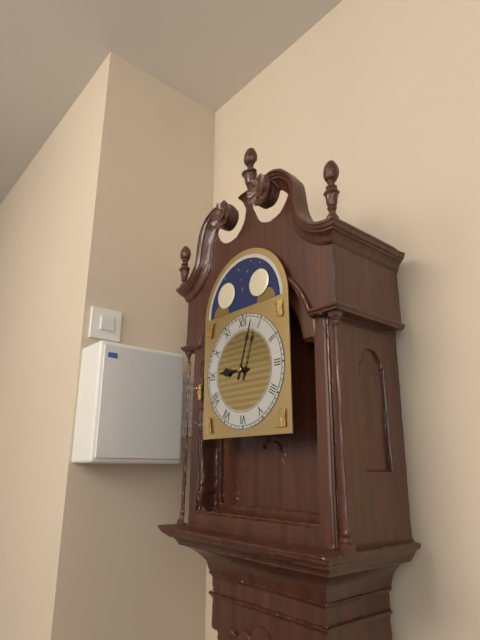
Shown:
9.03
